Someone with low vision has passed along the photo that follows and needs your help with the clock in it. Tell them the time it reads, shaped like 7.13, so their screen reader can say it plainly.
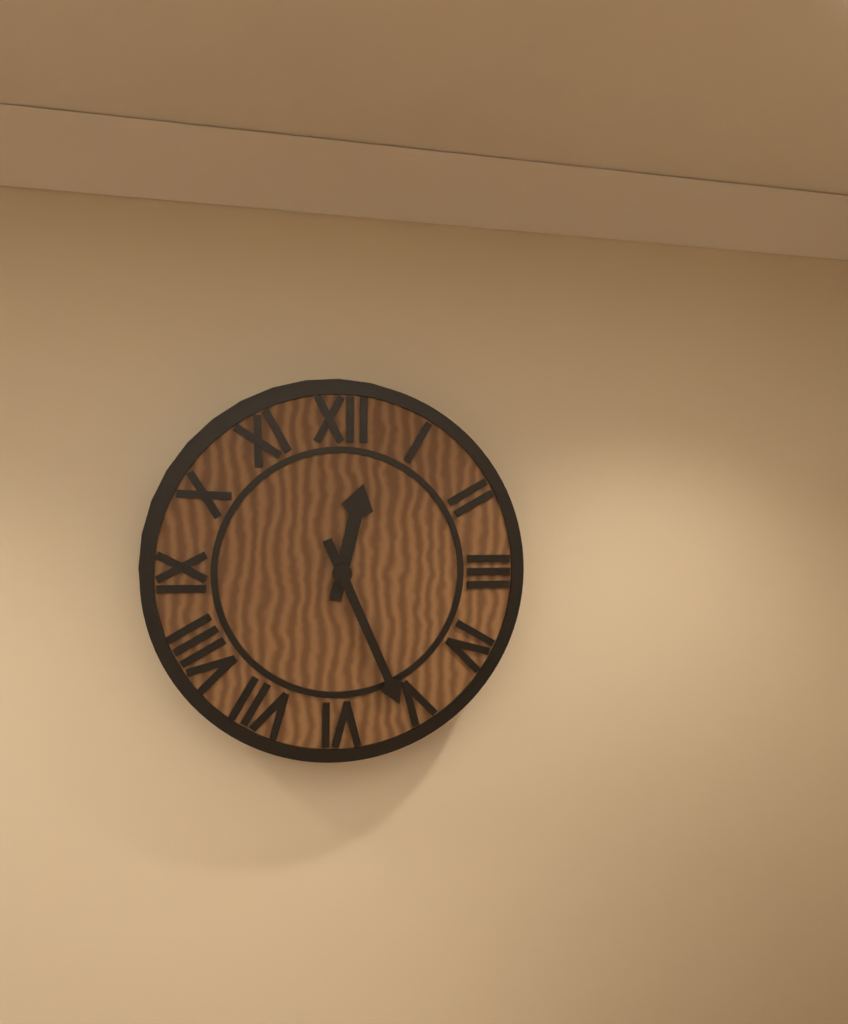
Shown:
12.26
